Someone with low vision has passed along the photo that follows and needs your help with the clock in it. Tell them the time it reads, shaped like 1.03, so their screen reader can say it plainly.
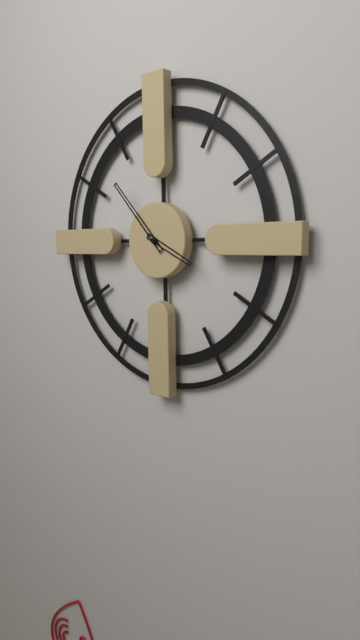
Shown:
3.53
